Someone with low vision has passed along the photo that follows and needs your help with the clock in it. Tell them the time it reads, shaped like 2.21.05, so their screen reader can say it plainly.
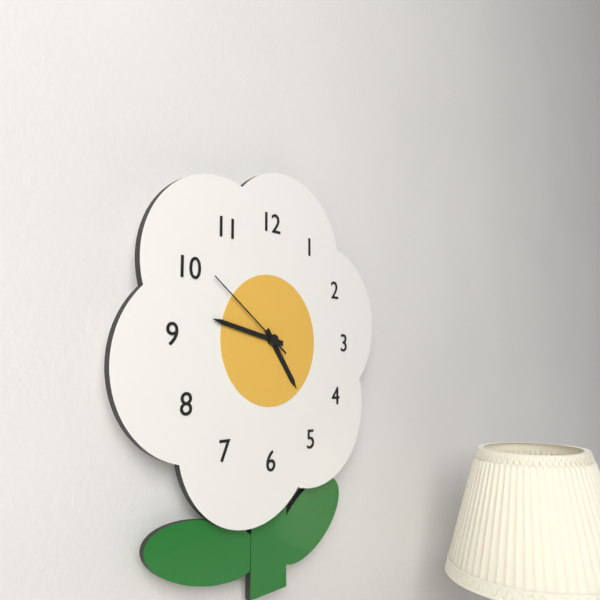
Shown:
4.47.51
